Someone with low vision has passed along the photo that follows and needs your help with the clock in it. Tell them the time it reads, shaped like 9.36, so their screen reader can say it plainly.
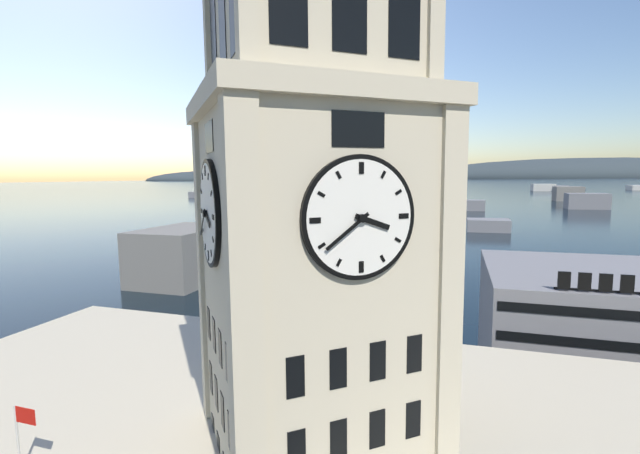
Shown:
3.39
